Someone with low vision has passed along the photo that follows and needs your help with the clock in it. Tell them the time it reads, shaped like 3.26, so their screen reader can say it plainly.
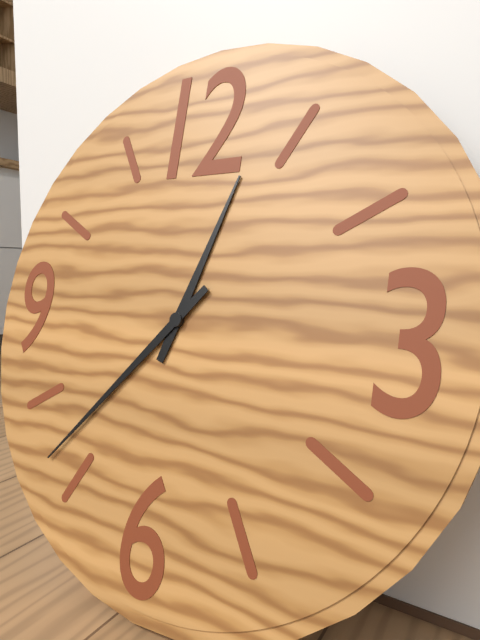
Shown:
12.37
